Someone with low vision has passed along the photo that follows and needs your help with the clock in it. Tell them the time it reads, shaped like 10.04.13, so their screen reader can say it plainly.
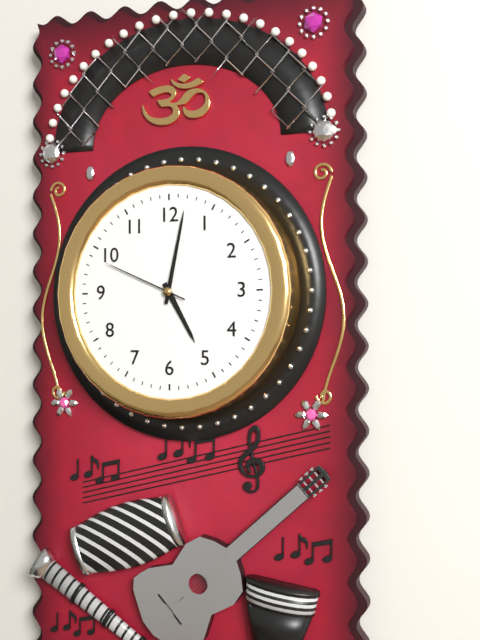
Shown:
5.02.49
